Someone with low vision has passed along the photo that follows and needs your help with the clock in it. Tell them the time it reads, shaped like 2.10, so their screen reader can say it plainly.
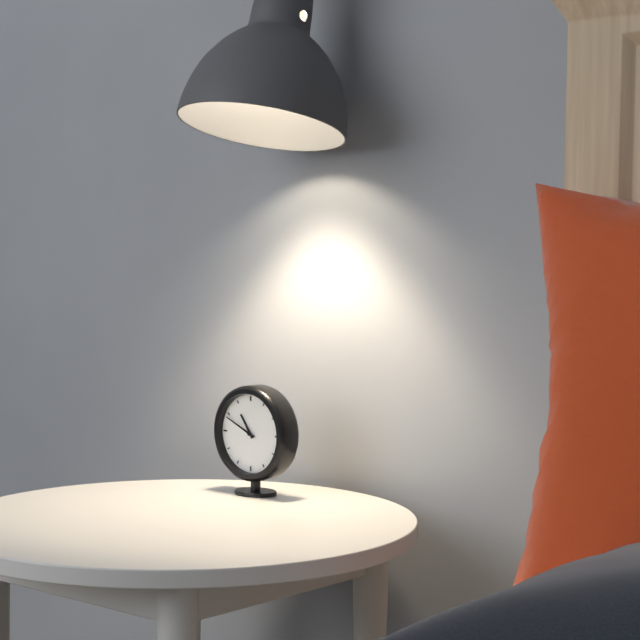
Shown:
10.49
